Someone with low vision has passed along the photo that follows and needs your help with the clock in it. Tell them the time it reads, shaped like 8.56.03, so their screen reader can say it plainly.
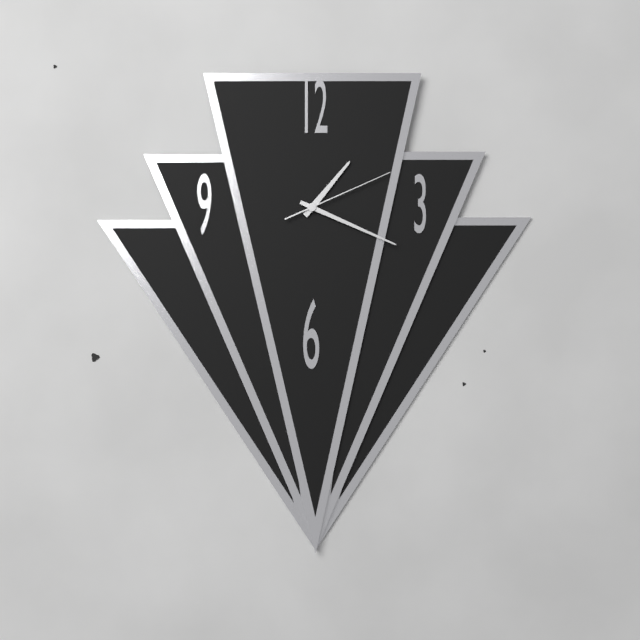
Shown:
1.19.11
